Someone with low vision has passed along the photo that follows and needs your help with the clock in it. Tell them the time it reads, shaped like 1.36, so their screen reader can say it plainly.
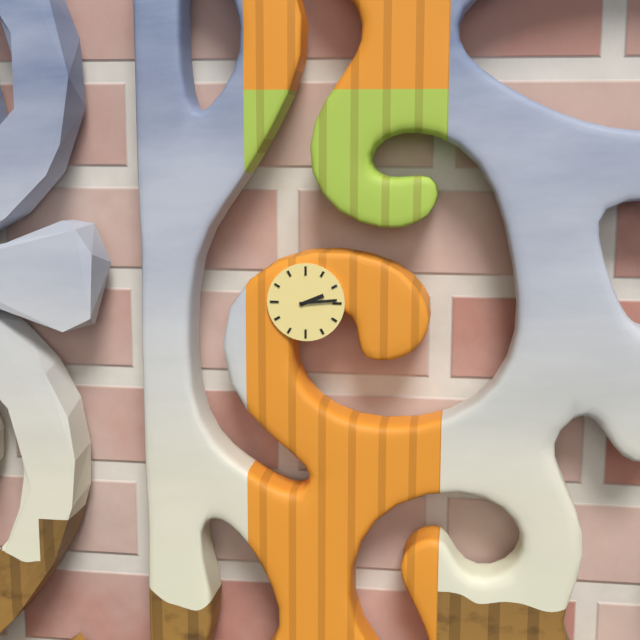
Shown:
2.14
